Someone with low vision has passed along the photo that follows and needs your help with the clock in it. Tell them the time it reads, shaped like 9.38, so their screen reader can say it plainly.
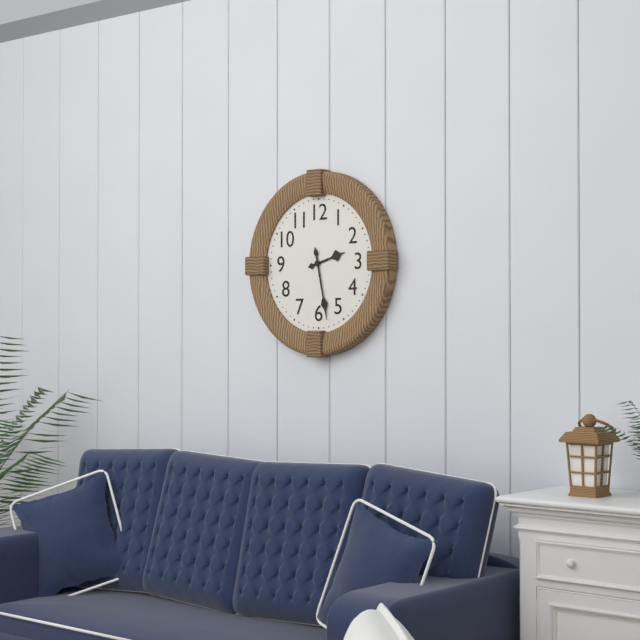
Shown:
2.28
